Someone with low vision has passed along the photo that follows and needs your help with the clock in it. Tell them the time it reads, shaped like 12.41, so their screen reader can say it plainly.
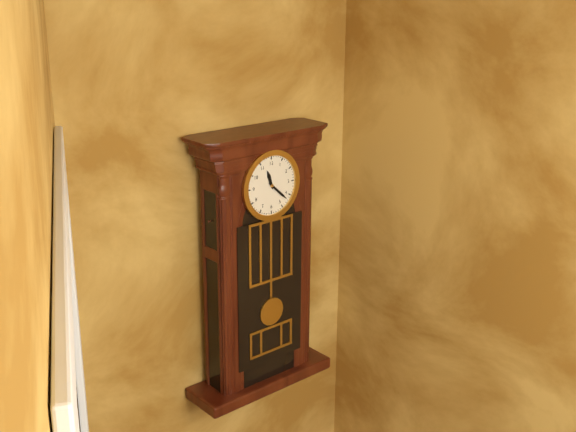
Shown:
11.22
